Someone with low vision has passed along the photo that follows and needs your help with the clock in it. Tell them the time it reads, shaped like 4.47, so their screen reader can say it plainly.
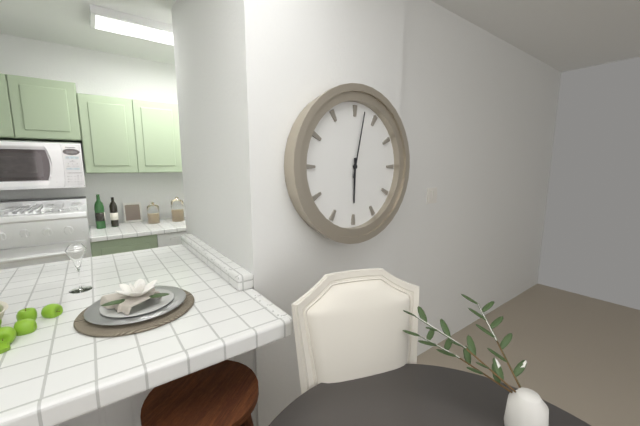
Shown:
6.02
